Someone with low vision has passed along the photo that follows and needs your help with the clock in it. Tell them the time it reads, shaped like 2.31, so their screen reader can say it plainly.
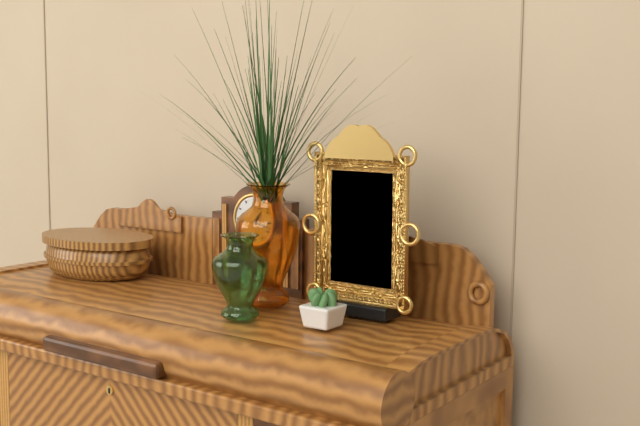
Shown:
1.18
